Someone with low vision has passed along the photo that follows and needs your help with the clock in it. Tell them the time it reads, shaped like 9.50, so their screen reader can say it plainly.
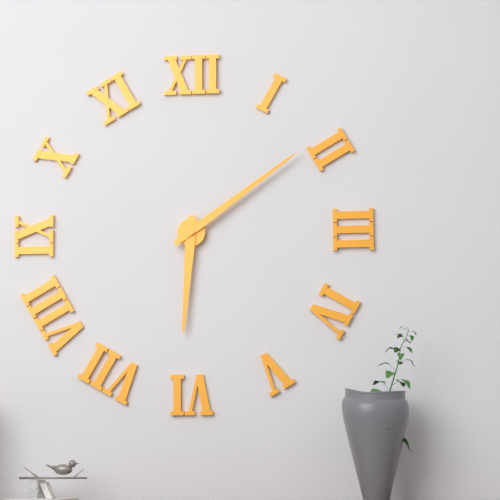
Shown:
6.09
